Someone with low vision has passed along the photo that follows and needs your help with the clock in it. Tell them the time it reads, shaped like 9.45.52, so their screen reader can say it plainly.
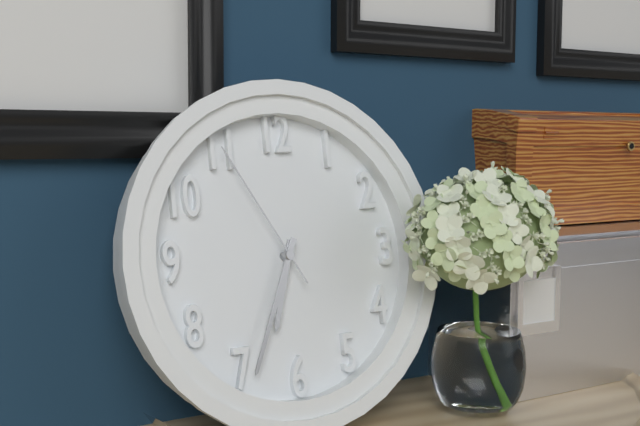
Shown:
6.34.55
